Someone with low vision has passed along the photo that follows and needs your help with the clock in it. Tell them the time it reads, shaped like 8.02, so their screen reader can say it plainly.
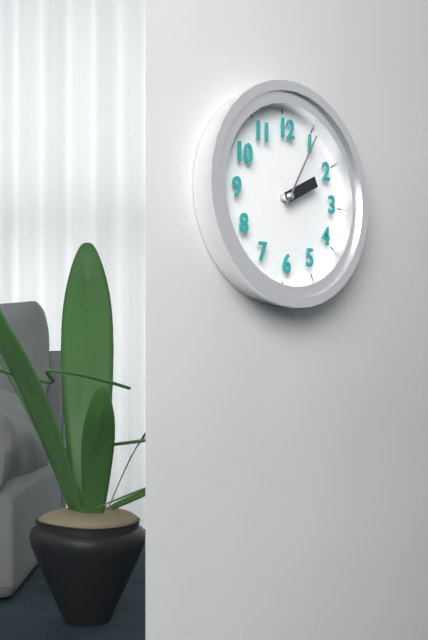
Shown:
2.05
